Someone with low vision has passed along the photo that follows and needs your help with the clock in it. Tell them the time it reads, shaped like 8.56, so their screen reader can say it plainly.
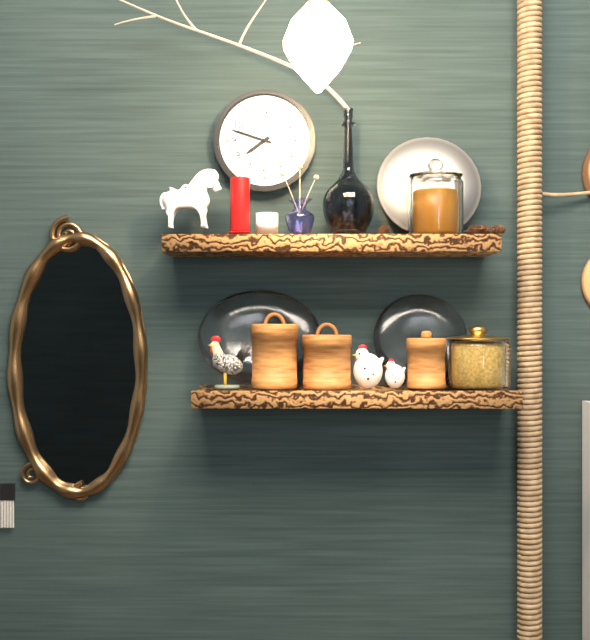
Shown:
7.48
